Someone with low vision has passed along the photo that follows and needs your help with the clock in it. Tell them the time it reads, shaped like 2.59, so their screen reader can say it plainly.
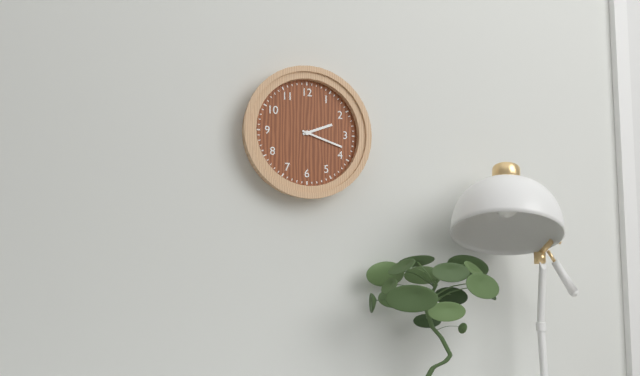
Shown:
2.18
